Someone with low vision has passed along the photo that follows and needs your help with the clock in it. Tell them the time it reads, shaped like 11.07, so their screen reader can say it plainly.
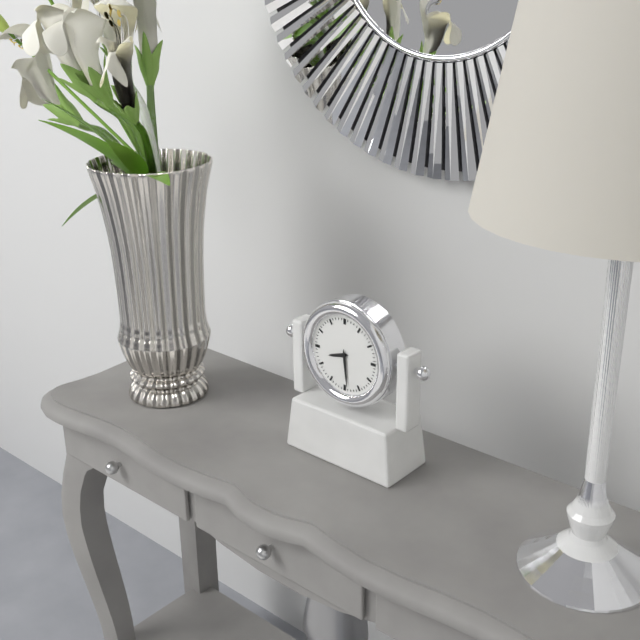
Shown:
8.29
